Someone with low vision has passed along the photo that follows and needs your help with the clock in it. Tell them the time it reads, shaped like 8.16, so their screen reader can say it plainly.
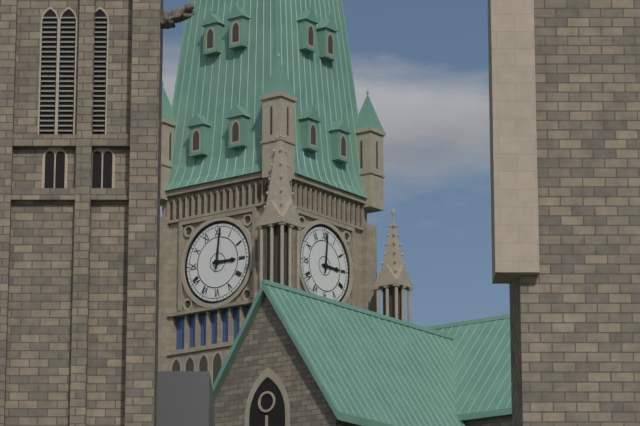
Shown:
3.01
